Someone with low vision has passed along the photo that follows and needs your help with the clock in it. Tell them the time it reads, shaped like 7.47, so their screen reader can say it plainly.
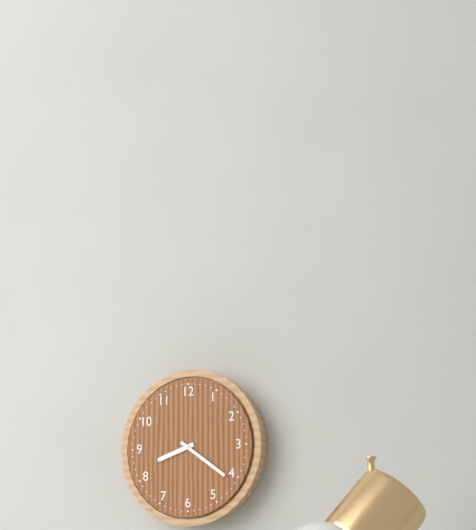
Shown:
8.21
